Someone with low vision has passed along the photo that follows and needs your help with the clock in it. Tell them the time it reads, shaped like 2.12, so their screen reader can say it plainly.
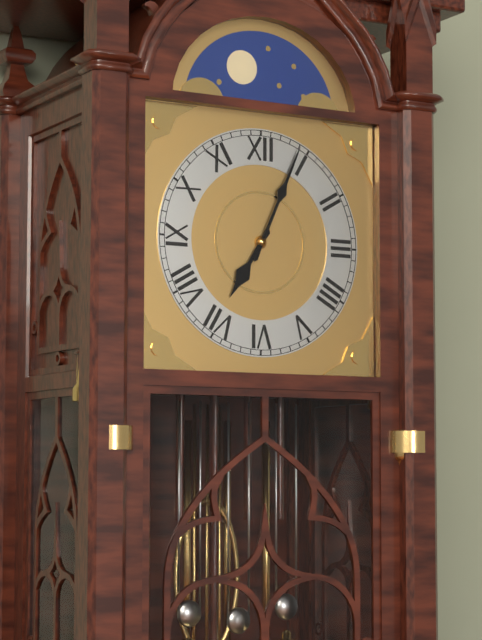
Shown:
7.04
